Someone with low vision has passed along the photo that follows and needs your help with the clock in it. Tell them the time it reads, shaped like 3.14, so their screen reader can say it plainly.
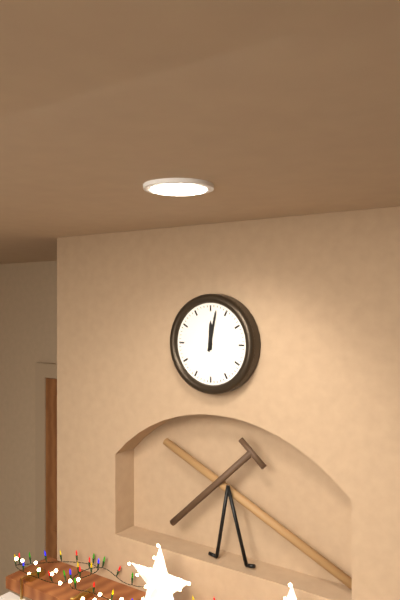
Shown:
12.02
